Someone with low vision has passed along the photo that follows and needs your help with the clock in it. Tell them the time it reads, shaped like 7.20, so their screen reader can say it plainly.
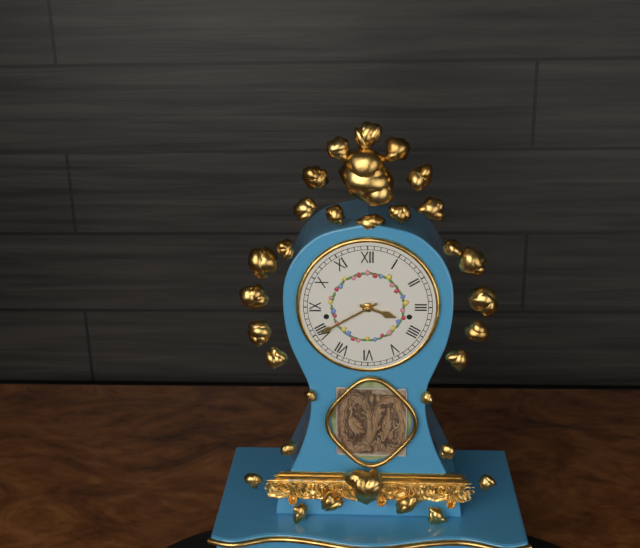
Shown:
3.40
